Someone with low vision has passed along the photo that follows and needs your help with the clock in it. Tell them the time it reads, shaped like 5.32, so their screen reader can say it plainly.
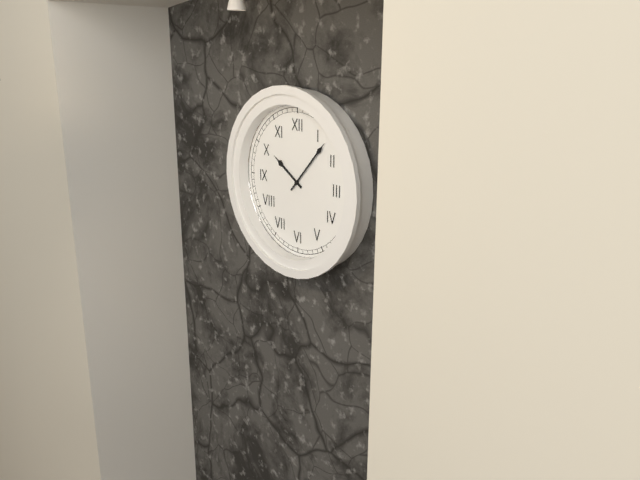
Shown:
10.07
